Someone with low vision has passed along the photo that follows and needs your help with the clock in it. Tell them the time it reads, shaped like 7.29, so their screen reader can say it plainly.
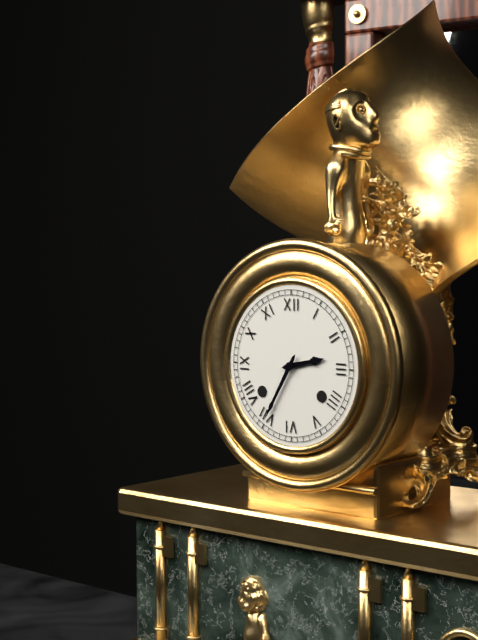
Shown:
2.35
